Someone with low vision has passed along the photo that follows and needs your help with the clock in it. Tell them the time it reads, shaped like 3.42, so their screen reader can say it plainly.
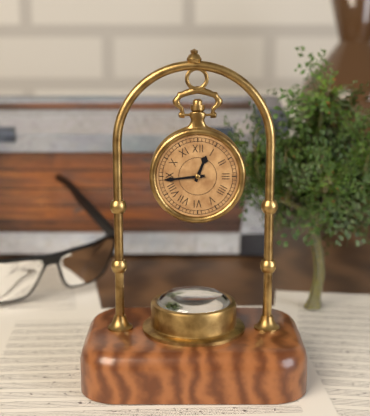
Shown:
12.44
